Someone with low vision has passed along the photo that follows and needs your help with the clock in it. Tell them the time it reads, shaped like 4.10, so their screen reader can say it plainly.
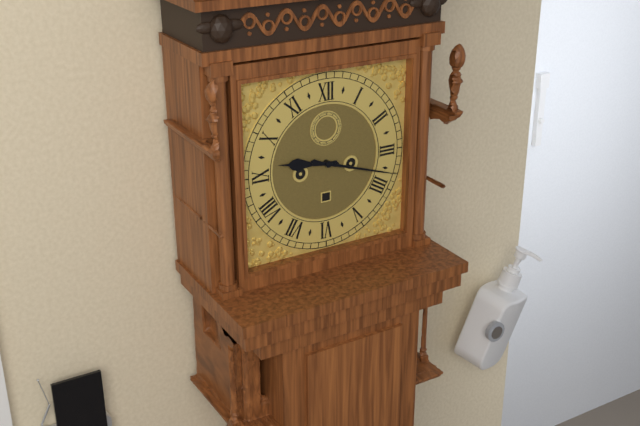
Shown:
9.18
